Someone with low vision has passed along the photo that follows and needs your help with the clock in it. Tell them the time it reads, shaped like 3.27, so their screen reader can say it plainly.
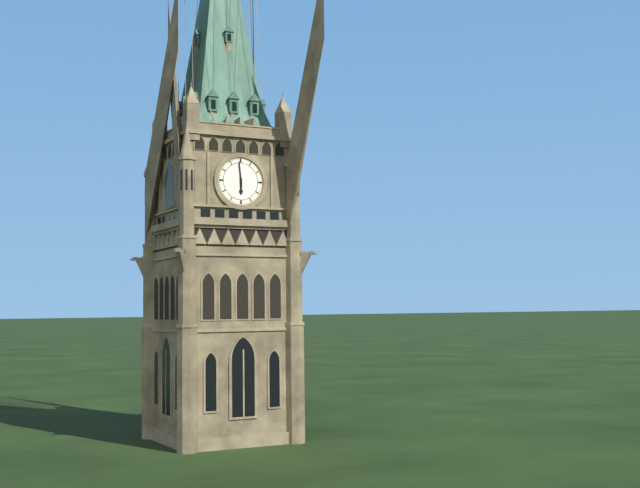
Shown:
5.59
